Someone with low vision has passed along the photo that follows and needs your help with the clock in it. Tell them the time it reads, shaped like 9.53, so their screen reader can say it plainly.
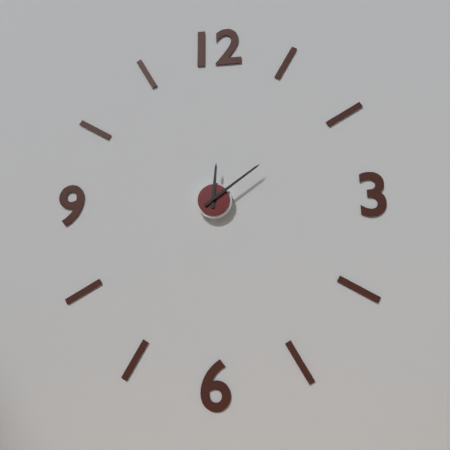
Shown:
12.09
